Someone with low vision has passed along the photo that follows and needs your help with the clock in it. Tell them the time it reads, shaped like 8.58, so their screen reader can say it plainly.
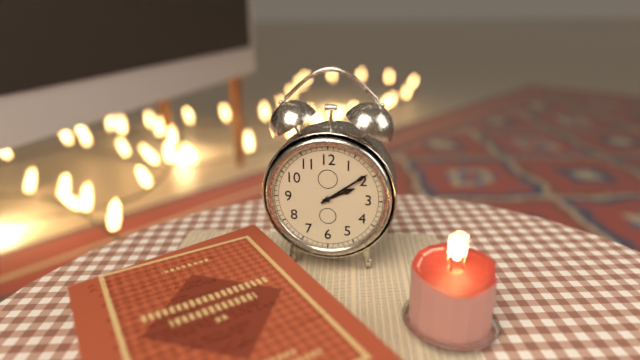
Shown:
2.09
